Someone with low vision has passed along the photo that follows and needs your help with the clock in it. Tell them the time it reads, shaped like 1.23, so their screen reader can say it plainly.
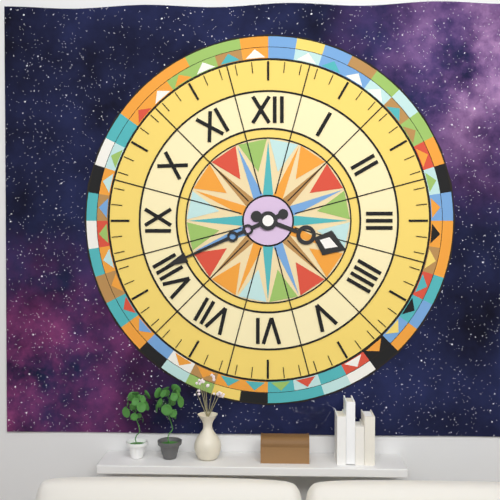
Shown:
3.41
